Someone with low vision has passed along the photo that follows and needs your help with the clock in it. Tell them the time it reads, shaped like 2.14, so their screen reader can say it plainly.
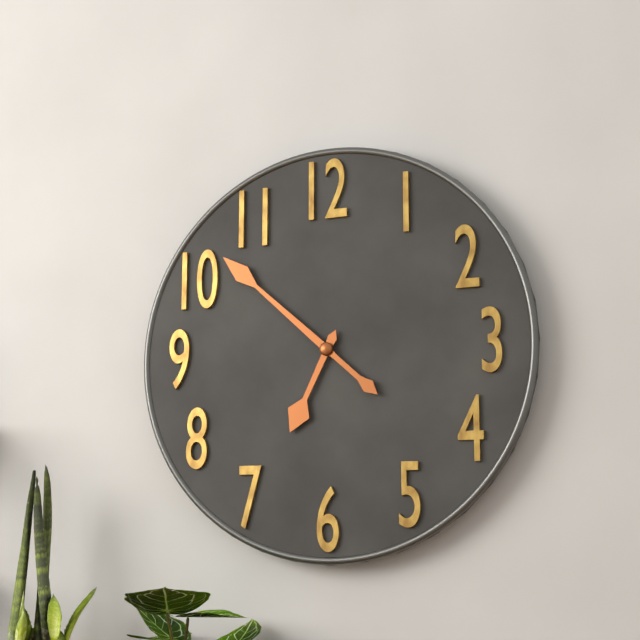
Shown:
6.52
